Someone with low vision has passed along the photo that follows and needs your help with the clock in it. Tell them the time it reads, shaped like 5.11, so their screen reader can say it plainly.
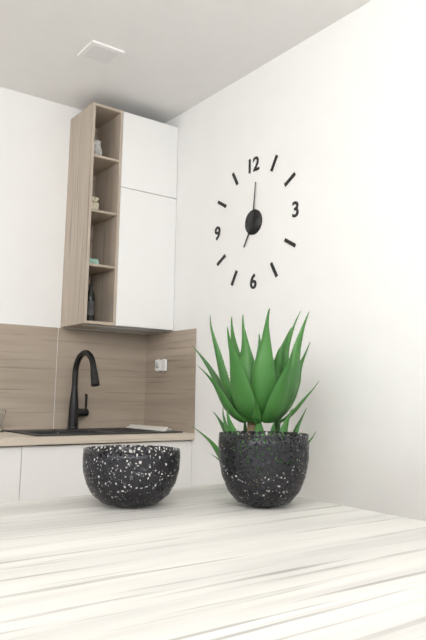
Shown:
7.01
